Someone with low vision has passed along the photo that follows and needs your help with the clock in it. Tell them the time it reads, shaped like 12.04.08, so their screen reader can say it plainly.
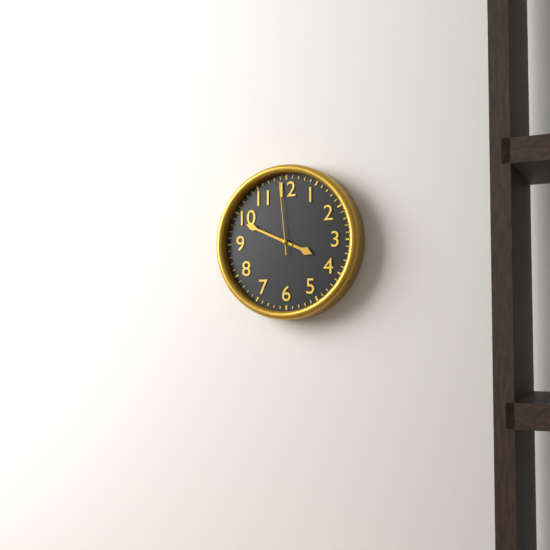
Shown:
3.49.59
